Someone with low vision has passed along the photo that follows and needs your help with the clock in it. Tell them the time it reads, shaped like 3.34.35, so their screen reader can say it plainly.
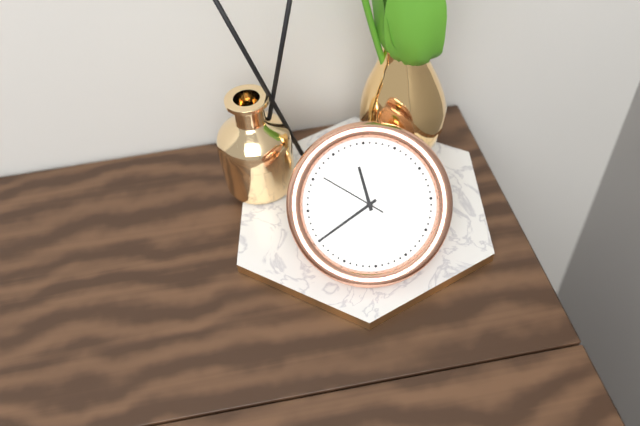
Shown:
11.40.51
